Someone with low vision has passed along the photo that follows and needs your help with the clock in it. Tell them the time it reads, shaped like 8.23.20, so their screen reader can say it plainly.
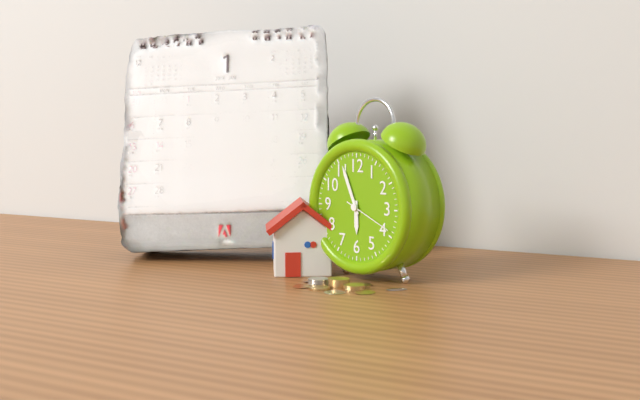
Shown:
5.56.19
